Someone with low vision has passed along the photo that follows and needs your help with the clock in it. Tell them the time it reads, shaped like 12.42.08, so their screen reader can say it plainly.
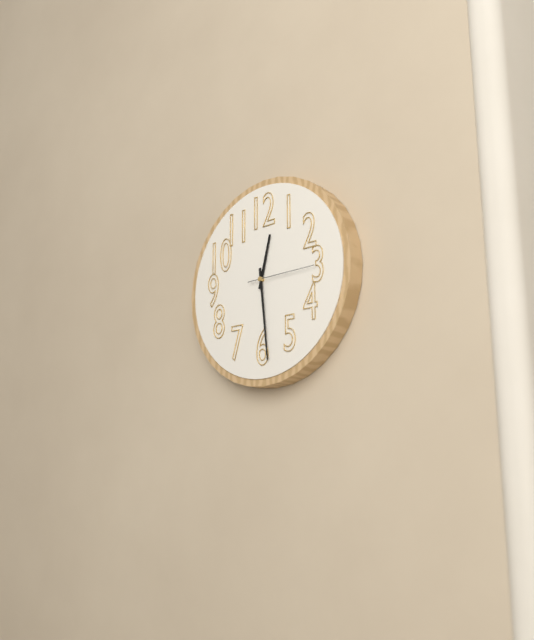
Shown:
12.29.15
